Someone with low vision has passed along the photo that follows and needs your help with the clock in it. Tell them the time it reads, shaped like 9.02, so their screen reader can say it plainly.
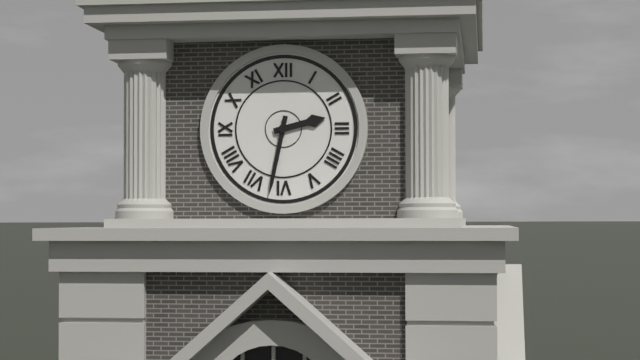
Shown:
2.32
